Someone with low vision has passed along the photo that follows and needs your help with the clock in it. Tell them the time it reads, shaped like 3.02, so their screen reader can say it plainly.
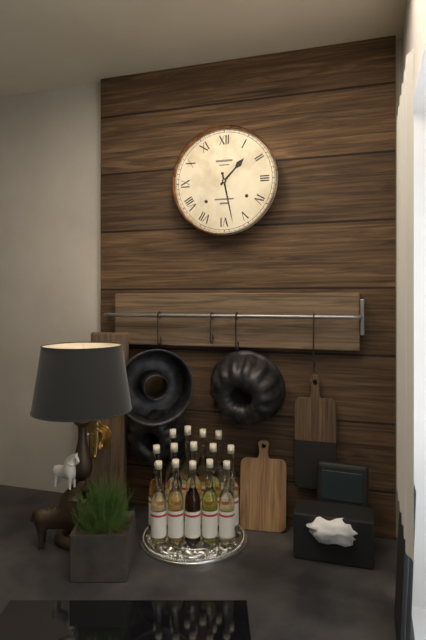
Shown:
1.28
